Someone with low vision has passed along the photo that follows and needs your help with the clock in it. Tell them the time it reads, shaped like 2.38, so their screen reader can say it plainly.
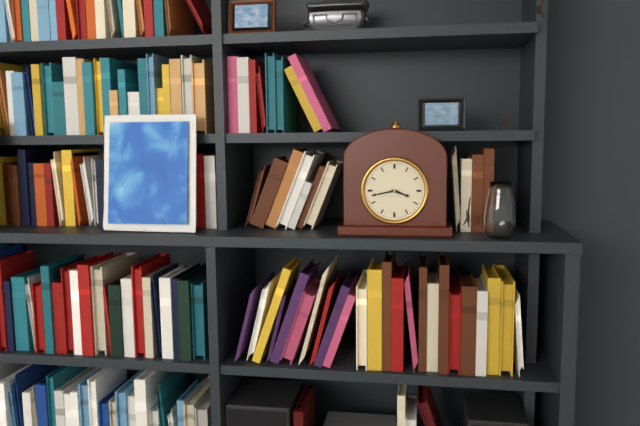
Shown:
3.43
